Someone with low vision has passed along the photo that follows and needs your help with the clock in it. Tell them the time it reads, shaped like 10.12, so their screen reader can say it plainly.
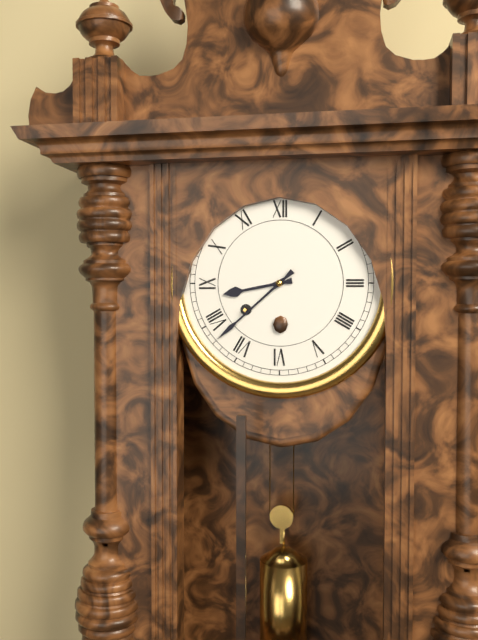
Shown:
8.38
